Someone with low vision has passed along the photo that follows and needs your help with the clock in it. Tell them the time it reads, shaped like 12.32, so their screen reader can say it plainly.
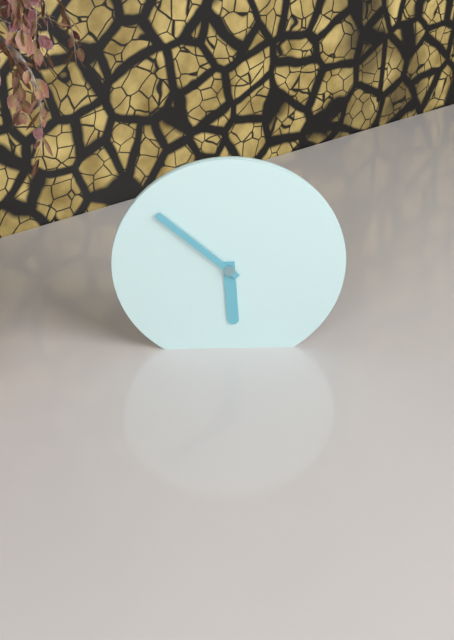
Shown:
5.52
